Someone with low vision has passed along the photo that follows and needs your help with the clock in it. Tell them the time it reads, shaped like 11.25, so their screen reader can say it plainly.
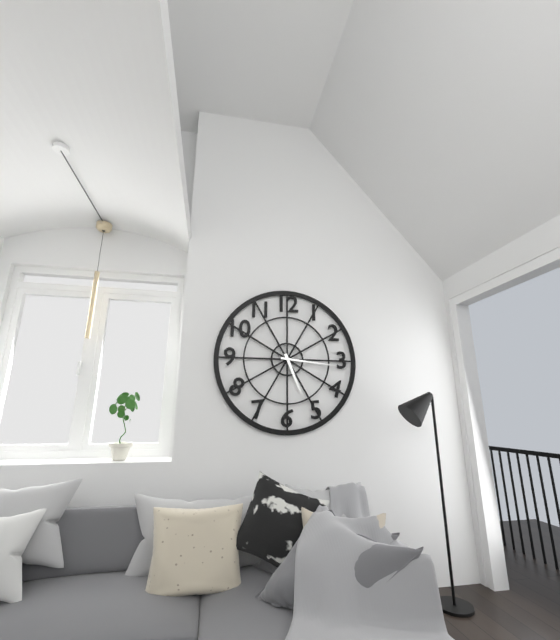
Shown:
5.16
